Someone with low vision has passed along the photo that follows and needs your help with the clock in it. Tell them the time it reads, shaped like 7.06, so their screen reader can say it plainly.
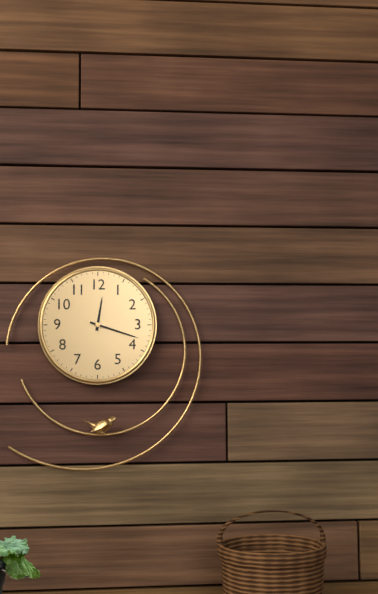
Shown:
12.18
